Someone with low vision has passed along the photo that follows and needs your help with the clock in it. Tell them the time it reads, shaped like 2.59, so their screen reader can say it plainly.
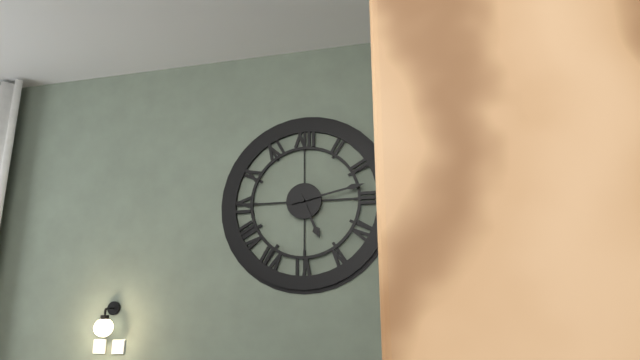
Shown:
5.13
